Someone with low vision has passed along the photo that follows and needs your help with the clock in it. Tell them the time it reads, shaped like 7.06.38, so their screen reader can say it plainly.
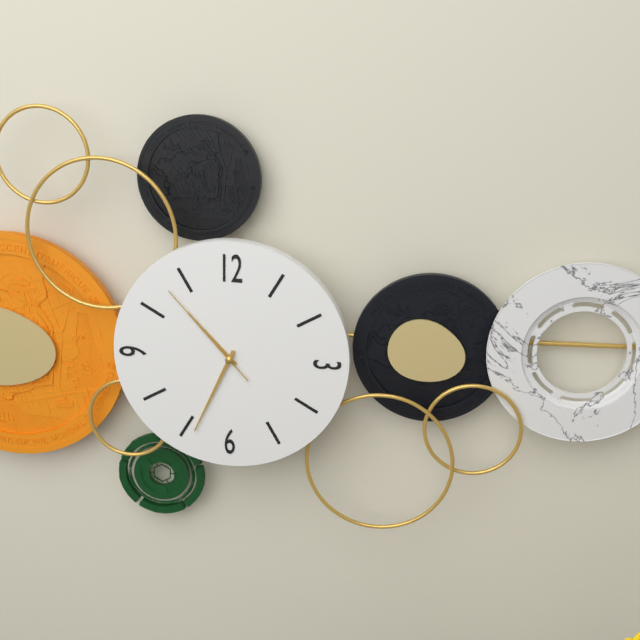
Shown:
10.34.53
